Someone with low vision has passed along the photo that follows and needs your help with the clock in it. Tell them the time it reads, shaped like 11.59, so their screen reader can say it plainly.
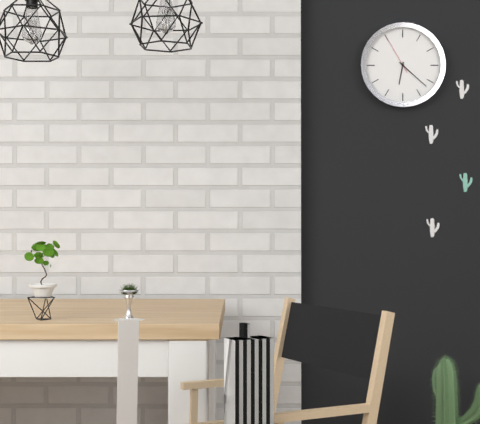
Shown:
6.22
